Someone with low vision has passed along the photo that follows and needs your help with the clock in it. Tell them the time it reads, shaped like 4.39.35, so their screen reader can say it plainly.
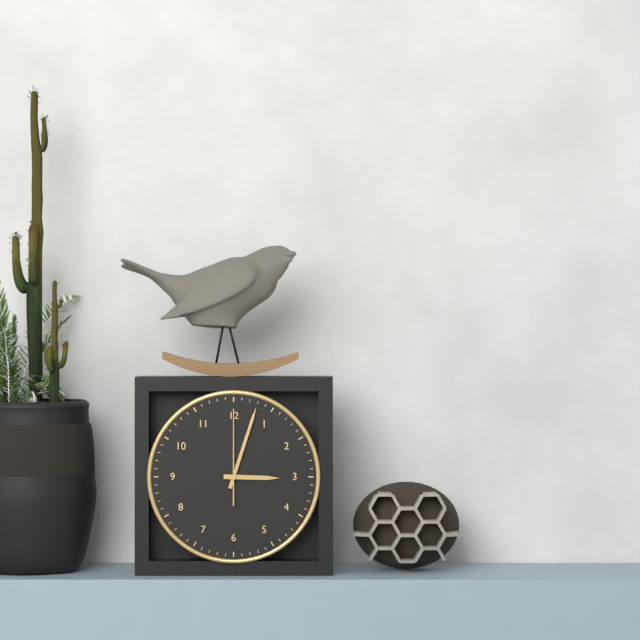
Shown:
3.03.00
